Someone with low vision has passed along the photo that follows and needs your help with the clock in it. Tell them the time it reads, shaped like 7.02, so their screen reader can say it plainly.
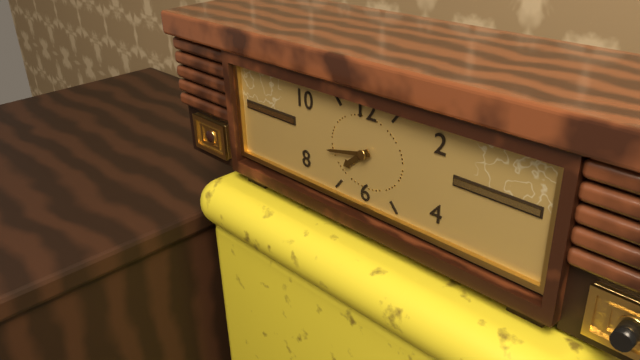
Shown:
7.43
